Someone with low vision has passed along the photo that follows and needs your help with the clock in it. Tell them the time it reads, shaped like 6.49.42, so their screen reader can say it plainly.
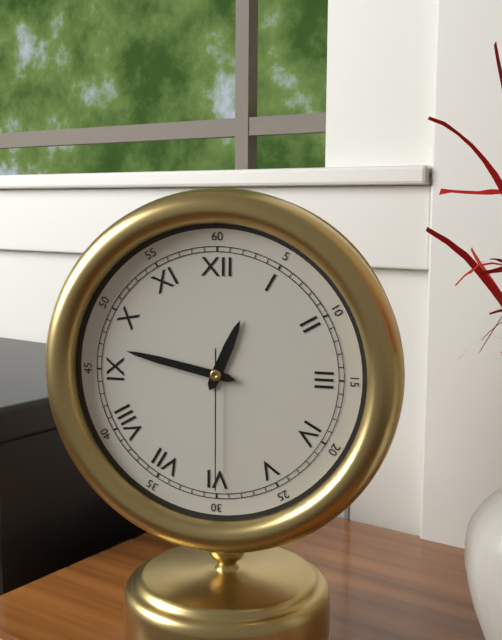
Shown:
12.47.30
